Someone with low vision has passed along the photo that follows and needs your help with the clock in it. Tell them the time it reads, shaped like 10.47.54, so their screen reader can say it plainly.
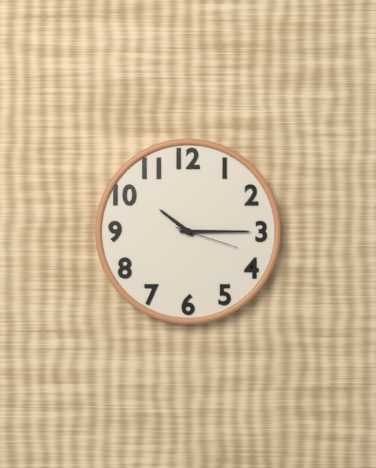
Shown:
10.15.18
